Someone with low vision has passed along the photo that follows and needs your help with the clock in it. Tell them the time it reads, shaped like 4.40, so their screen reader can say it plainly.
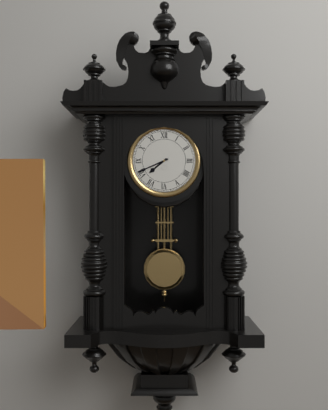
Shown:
7.41
